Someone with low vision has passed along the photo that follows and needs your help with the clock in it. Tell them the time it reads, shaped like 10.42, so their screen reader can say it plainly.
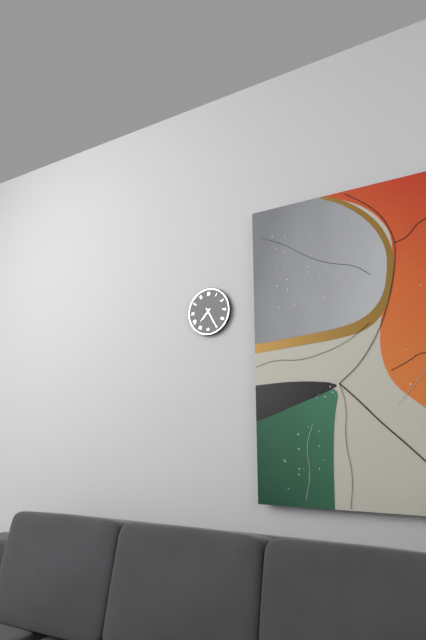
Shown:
7.25
